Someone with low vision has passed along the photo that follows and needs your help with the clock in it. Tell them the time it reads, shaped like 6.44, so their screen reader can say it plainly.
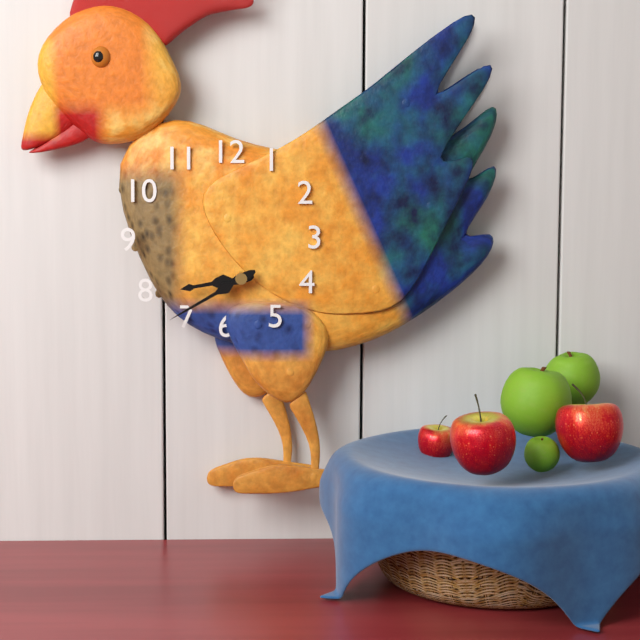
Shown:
8.40
